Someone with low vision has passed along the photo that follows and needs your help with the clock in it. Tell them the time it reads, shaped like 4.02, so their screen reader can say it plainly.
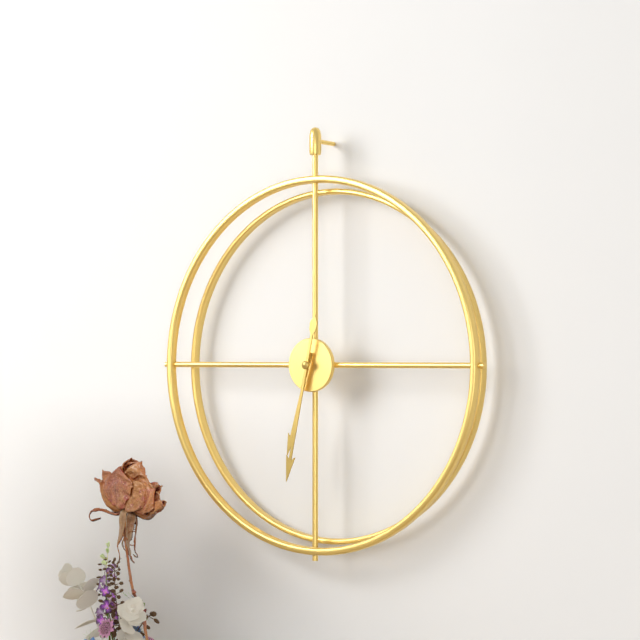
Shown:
6.32
